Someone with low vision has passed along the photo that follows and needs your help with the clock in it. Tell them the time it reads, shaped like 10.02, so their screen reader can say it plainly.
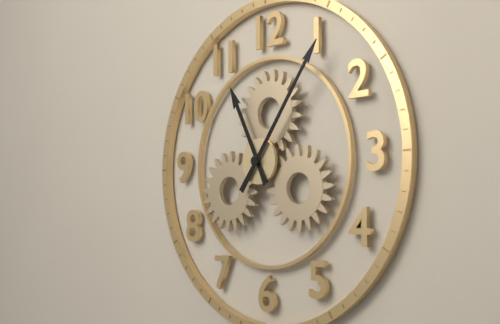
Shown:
11.06
